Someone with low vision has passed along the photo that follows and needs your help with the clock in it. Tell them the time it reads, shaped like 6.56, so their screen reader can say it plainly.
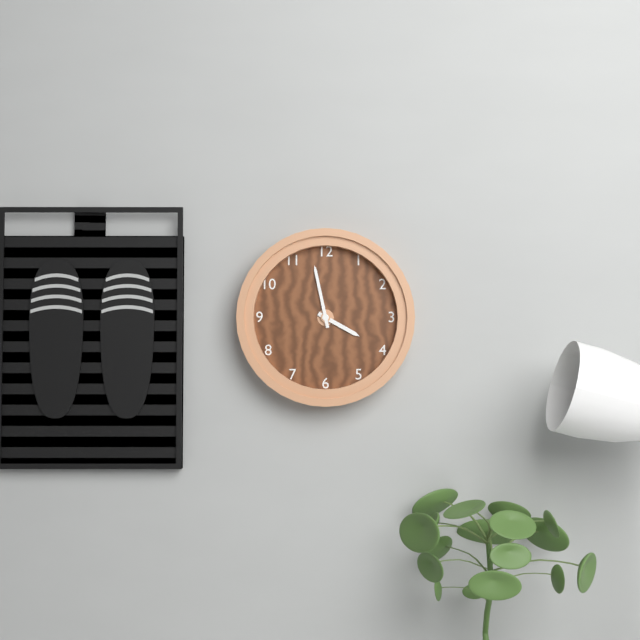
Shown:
3.58
